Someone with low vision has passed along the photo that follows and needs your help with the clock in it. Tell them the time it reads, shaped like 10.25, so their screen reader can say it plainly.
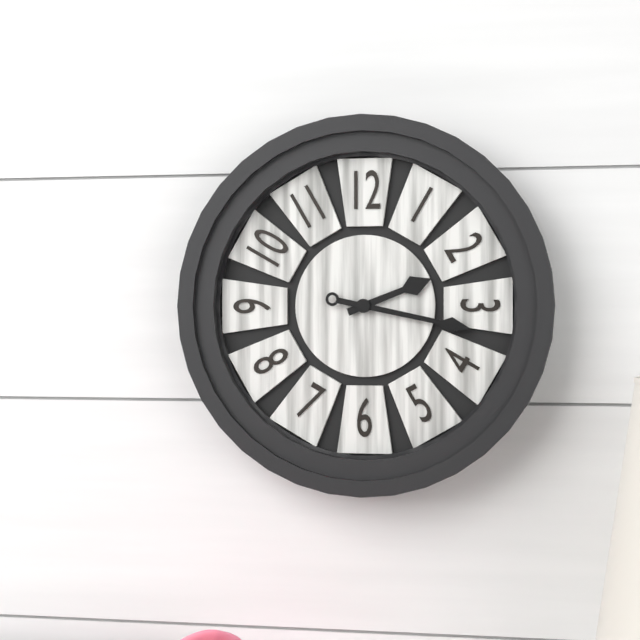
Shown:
2.17
